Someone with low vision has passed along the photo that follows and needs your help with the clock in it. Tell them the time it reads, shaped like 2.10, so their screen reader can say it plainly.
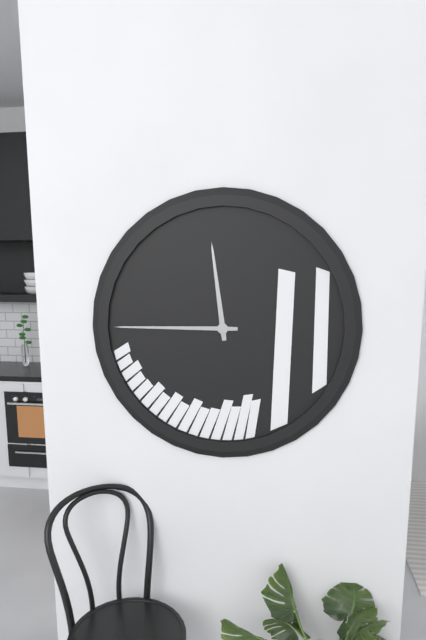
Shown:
11.45
